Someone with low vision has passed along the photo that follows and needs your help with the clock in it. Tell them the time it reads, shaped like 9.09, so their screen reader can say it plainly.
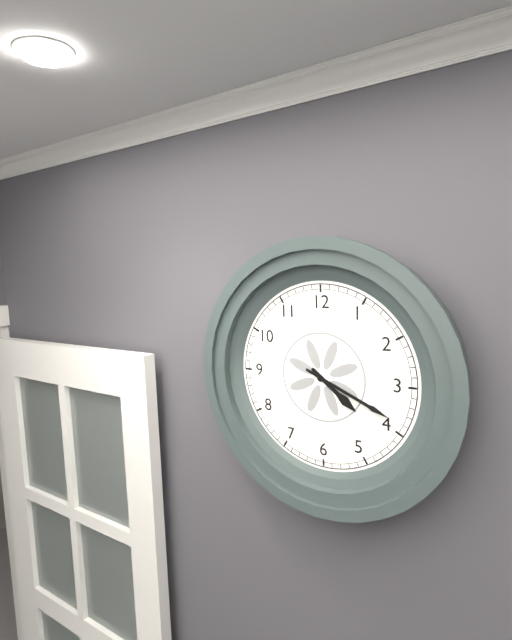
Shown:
4.19
